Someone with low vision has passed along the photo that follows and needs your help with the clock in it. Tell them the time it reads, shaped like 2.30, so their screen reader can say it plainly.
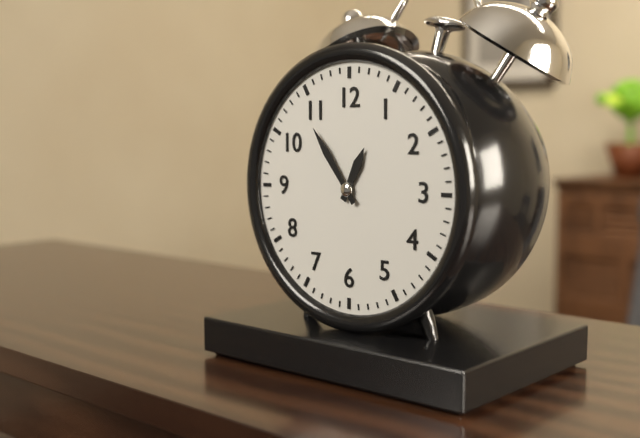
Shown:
12.54
